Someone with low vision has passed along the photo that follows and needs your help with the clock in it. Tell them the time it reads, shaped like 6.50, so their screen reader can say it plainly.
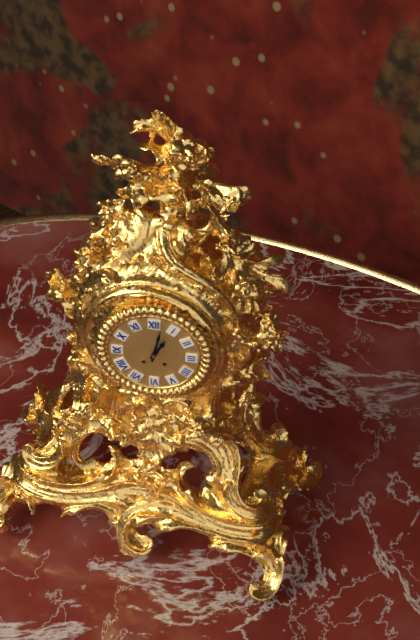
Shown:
1.02
